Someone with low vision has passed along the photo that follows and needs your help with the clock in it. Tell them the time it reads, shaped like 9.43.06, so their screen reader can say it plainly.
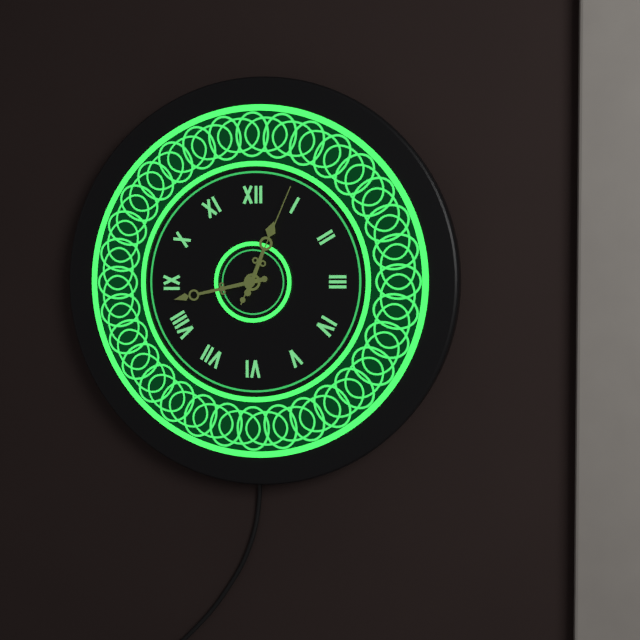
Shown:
12.43.04
